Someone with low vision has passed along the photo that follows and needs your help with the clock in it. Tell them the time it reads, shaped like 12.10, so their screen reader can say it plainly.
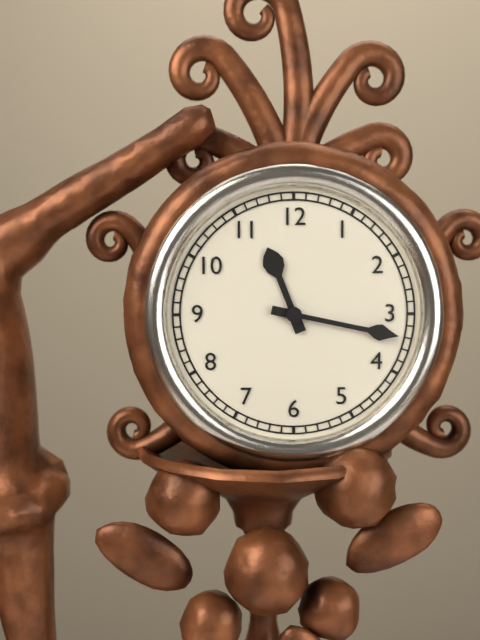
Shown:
11.17
